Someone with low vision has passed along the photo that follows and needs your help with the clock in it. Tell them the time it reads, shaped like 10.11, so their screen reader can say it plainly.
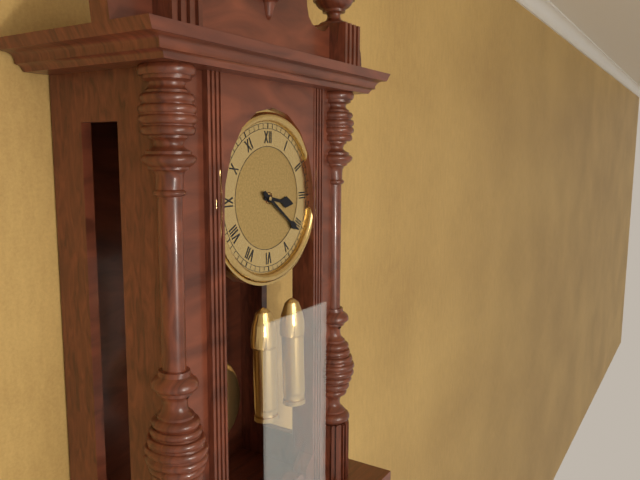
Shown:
3.21
